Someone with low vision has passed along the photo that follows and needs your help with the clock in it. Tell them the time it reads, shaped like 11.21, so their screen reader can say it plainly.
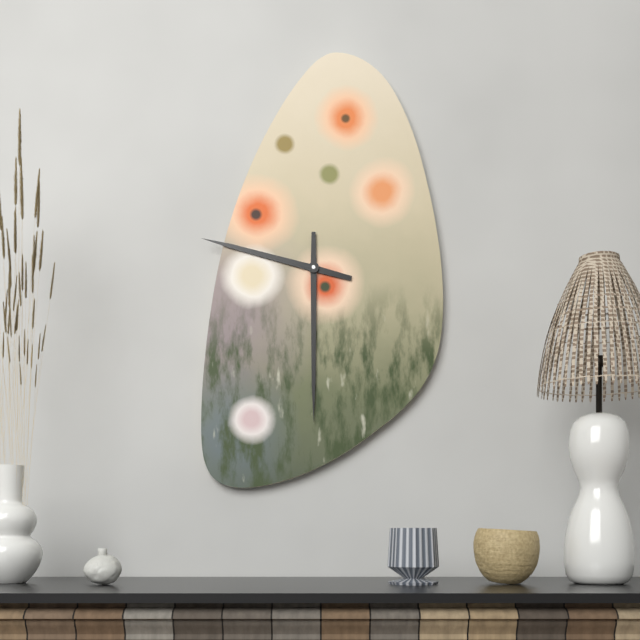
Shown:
9.30
